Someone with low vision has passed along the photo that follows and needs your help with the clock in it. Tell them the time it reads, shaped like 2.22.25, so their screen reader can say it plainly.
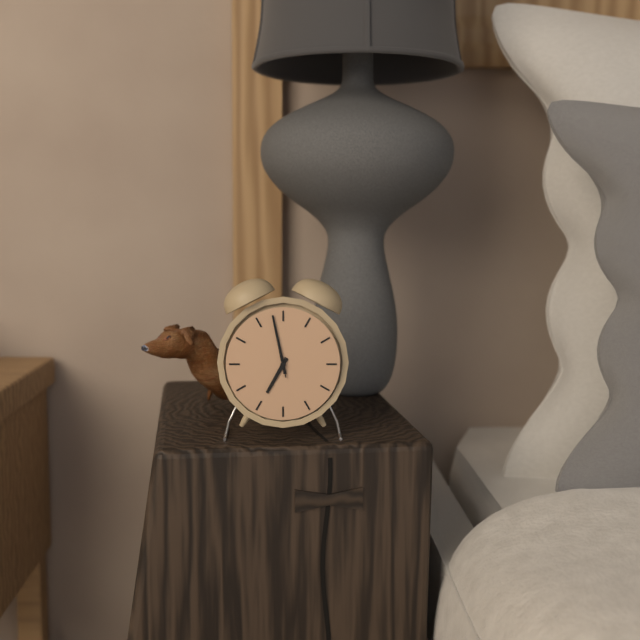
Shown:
6.58.58
